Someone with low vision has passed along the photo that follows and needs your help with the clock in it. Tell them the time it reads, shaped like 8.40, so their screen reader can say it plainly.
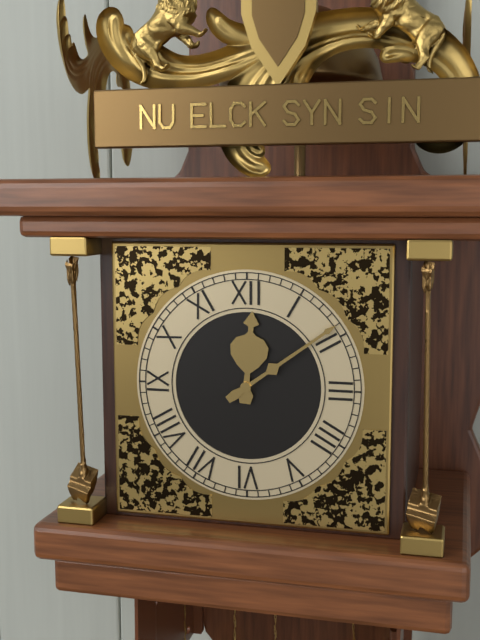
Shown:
12.09
